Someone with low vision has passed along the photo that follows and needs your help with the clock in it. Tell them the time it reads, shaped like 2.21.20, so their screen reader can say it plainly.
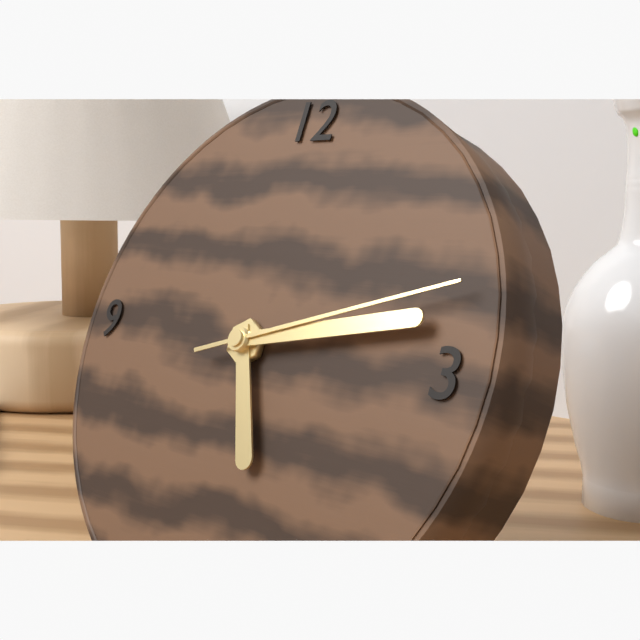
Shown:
5.13.12
